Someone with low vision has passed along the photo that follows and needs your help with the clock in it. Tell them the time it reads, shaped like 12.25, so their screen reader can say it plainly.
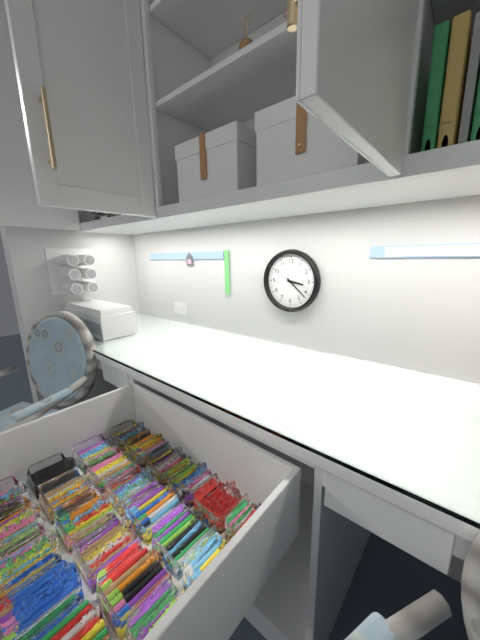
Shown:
3.22
